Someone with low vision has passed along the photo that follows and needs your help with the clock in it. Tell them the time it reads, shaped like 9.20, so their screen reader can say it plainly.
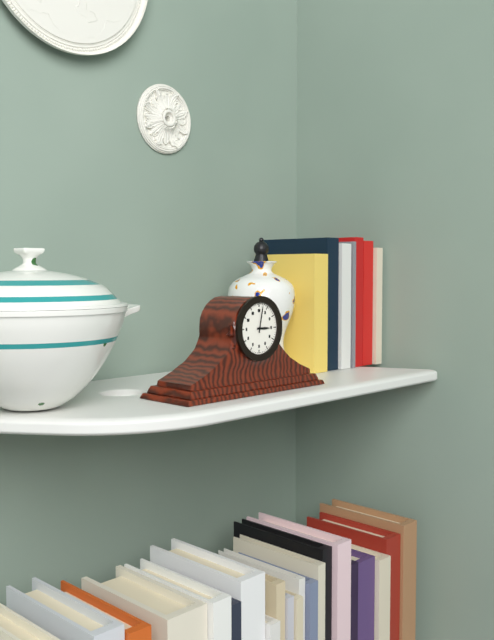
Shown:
3.02
